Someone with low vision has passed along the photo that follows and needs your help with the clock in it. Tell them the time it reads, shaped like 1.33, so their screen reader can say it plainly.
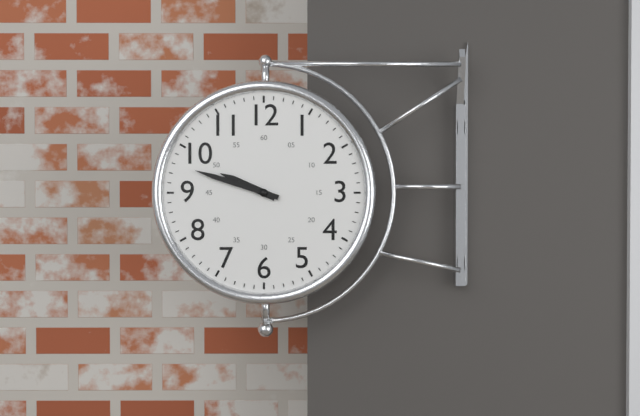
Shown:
9.48
